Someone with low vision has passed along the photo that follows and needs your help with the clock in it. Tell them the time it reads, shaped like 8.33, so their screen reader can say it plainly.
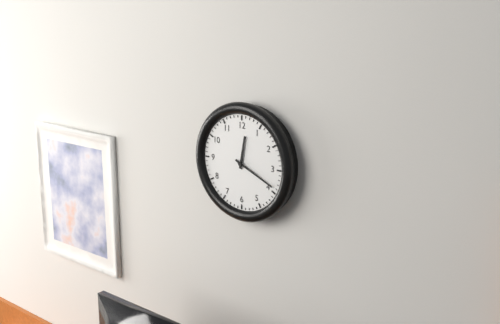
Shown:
12.19
